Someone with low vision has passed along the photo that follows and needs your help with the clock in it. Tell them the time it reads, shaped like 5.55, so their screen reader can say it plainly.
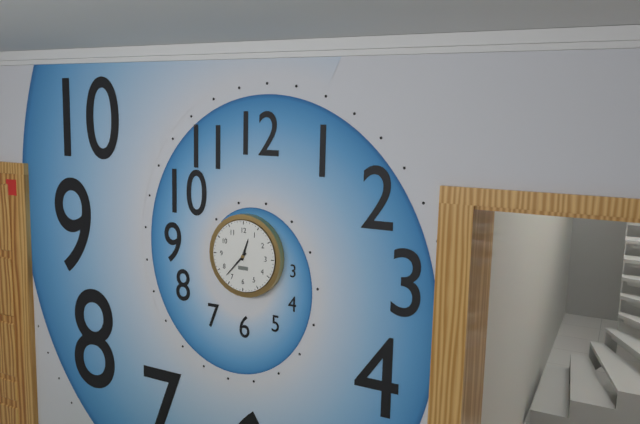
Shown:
12.37
